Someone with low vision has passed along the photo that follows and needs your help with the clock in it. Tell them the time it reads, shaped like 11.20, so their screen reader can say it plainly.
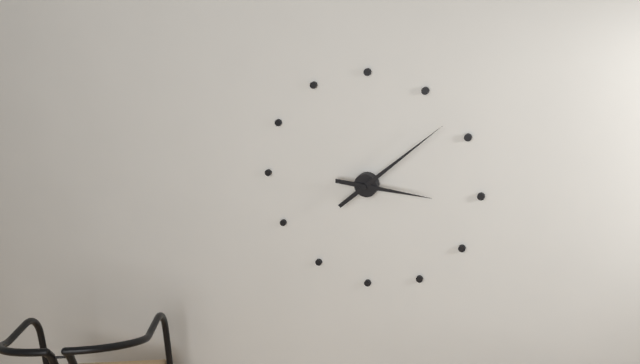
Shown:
3.08
